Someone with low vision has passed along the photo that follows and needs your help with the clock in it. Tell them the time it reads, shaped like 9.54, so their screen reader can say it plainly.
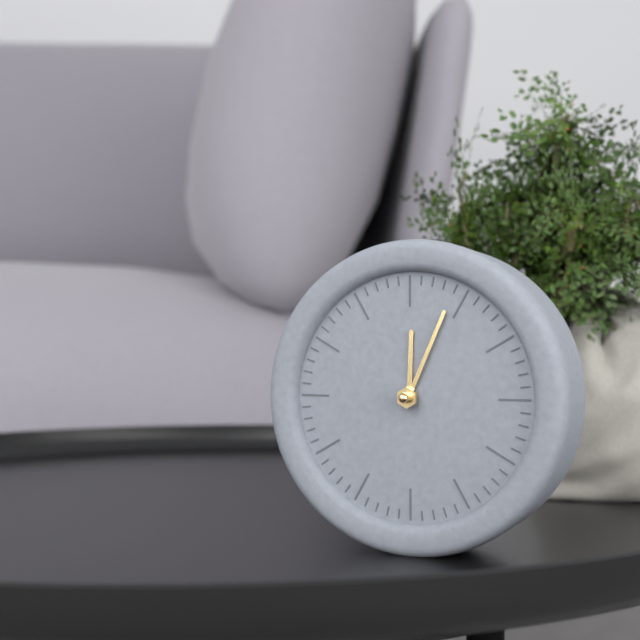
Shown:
12.04
